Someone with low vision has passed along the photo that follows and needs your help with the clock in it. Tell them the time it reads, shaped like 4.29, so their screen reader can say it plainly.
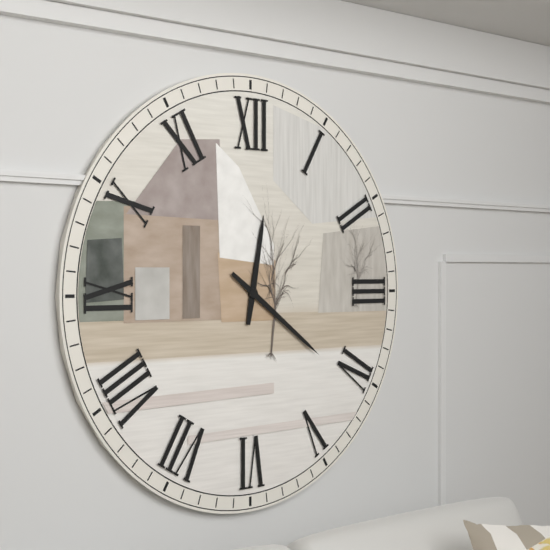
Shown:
12.21
